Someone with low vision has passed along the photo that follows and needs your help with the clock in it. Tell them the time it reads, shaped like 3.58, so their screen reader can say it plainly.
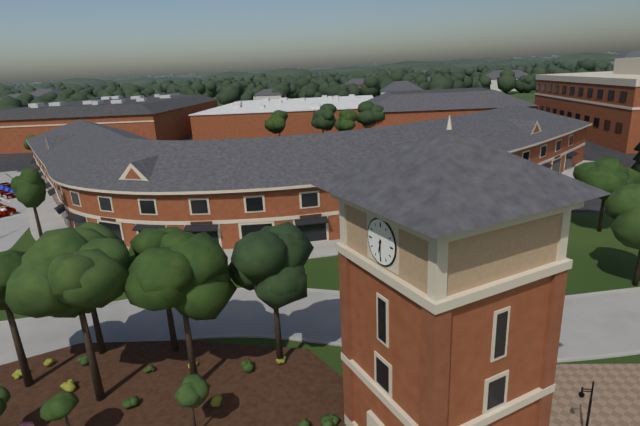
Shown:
6.30
